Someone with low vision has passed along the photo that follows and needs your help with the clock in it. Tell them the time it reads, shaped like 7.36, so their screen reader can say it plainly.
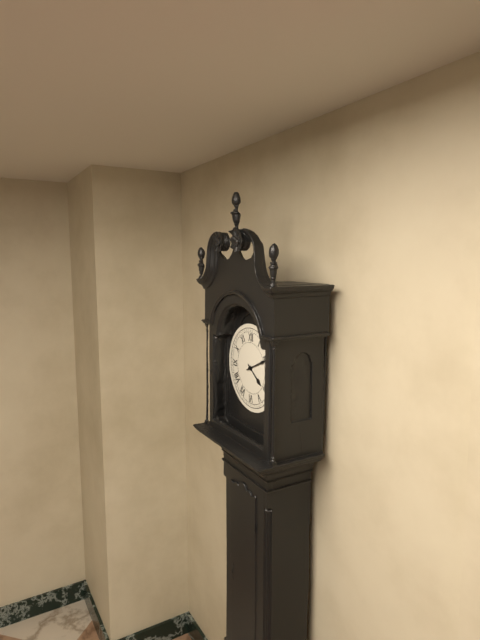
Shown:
4.11
